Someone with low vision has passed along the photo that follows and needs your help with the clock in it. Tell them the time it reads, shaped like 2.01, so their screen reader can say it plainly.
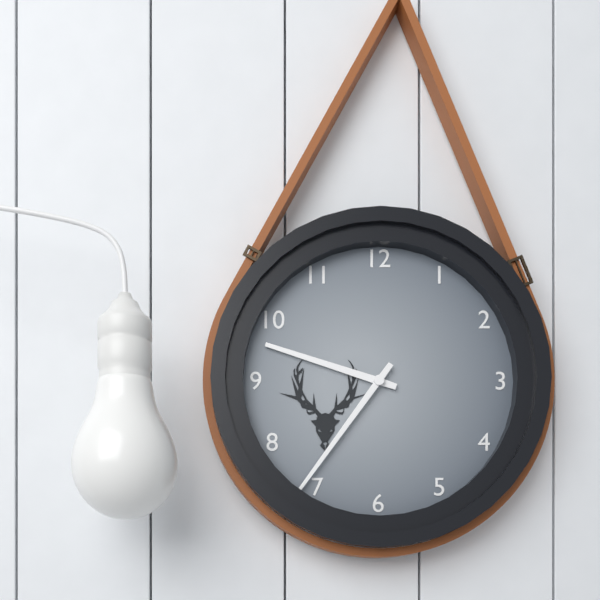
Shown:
9.36
